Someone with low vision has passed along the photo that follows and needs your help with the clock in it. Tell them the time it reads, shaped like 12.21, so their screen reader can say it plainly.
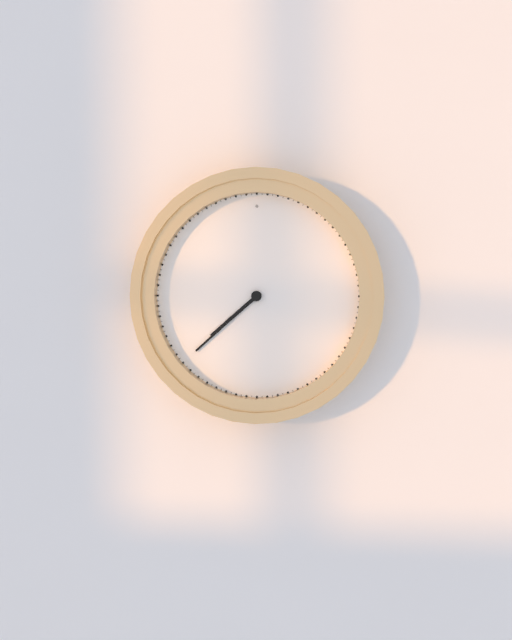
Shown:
7.38
